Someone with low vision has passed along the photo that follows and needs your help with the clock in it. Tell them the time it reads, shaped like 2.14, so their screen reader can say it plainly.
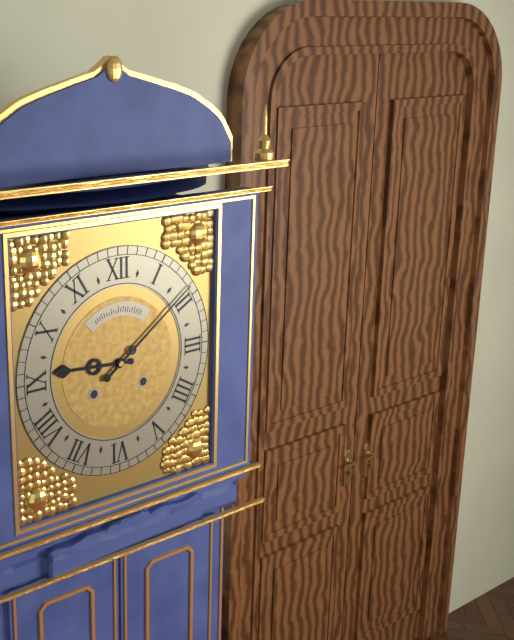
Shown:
9.09
